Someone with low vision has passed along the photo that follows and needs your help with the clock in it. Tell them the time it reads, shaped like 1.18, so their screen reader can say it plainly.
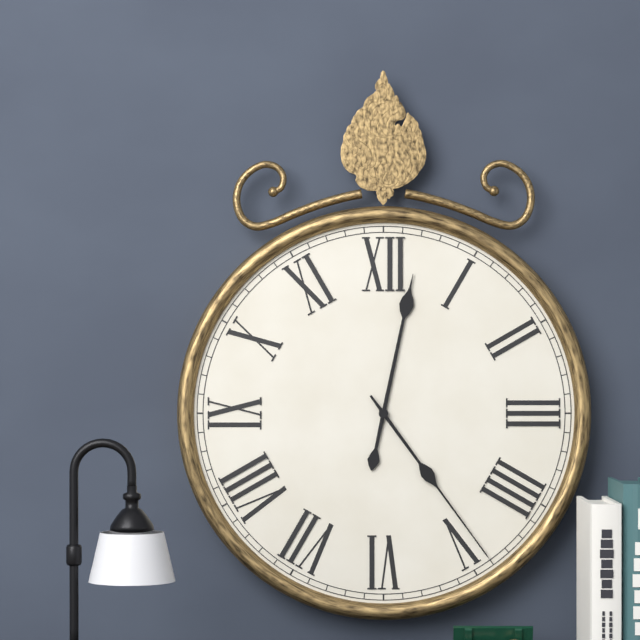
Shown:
12.24
